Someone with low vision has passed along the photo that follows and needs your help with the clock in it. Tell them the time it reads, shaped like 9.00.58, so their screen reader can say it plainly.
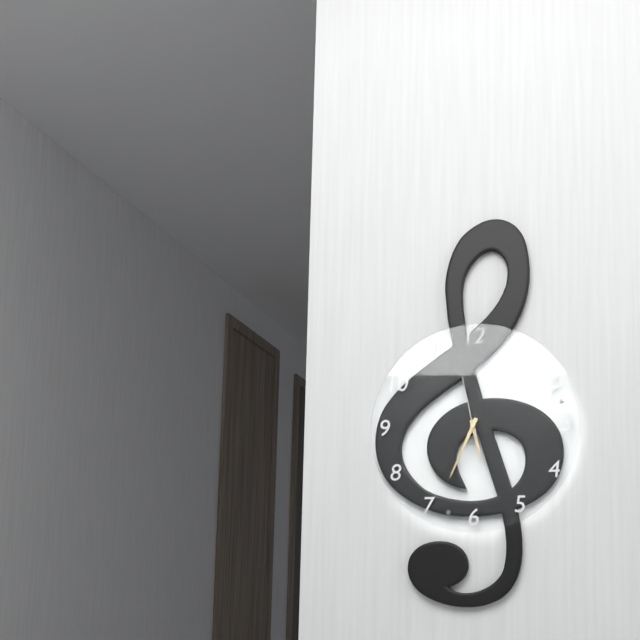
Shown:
5.34.58
